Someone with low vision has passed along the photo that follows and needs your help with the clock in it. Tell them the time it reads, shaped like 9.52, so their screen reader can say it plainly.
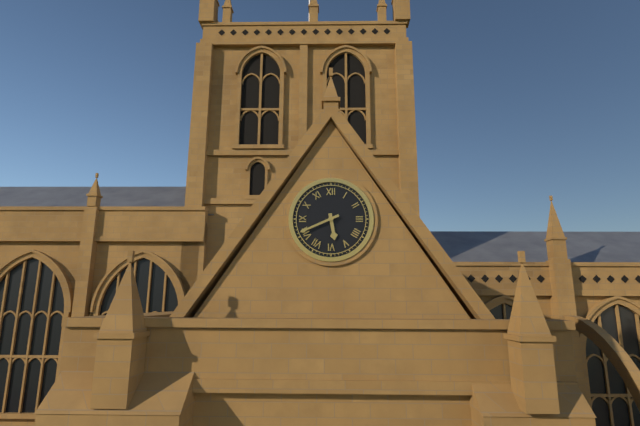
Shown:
5.41
